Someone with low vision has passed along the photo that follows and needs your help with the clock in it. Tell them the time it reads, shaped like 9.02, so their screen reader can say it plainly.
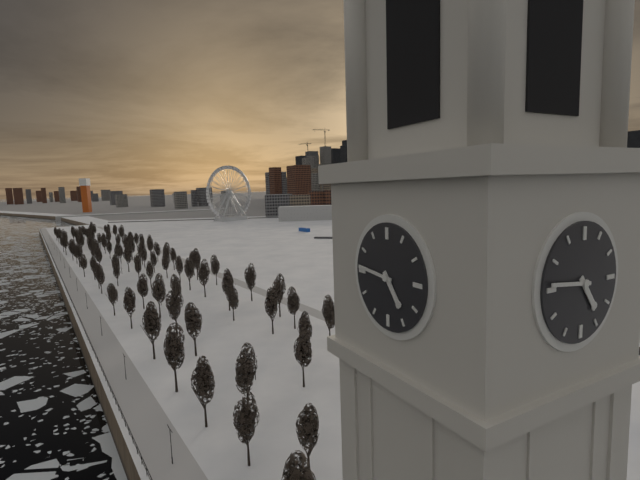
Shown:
4.46
